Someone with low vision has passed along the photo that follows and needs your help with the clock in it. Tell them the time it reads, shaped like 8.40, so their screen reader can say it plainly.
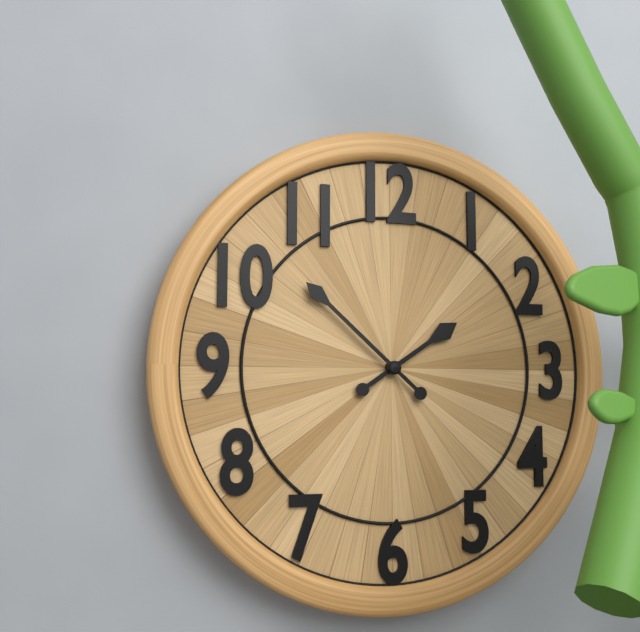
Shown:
1.52
